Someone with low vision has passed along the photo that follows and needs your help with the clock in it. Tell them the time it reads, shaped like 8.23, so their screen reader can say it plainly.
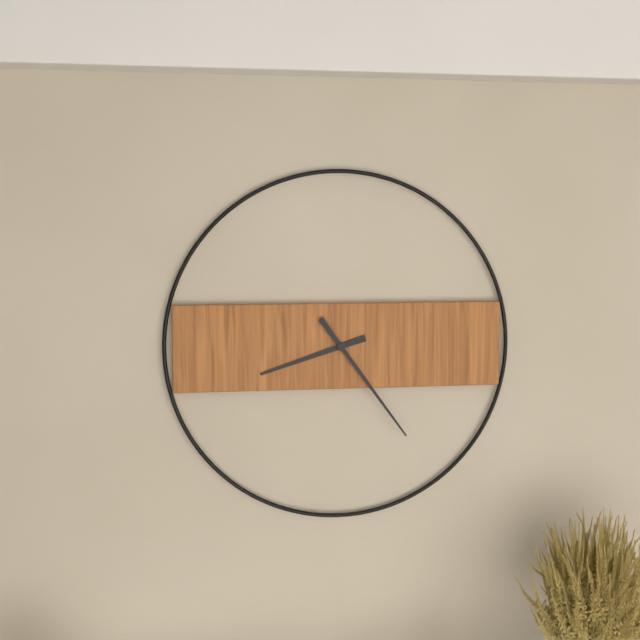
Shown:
8.24
